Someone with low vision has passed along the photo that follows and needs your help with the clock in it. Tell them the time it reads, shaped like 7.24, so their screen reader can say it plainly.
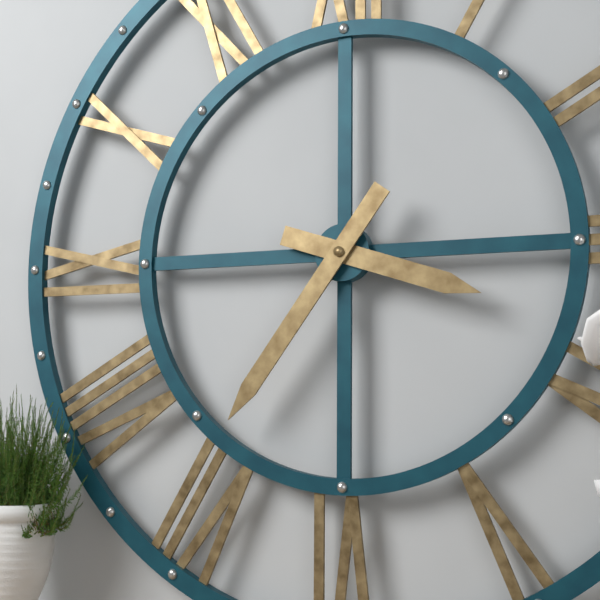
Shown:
3.36
